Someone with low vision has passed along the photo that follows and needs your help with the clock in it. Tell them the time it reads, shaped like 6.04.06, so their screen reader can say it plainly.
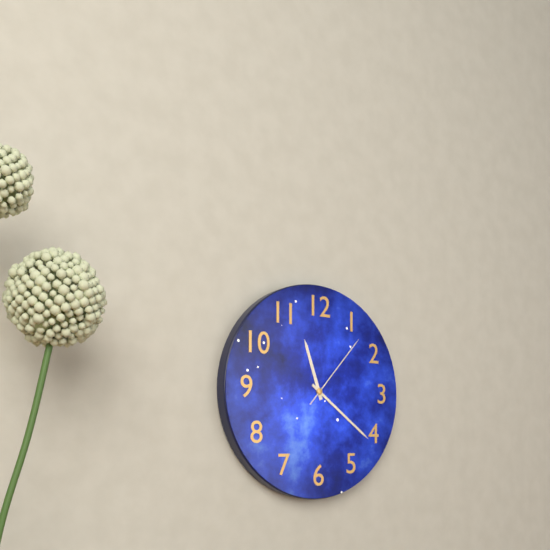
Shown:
11.21.07
